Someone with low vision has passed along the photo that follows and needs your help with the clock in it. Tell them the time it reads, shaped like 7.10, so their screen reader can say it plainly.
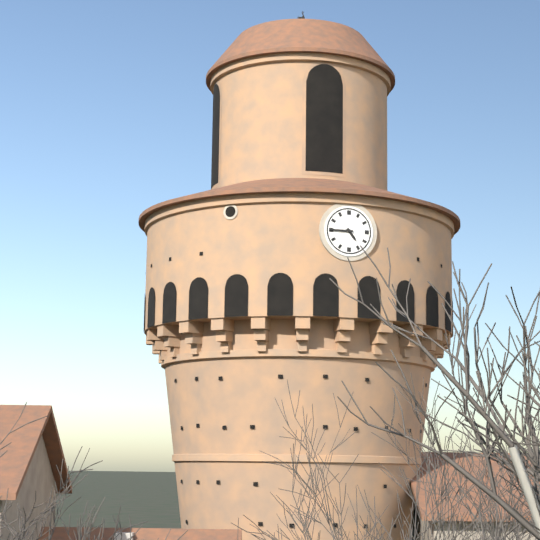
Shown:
4.45
